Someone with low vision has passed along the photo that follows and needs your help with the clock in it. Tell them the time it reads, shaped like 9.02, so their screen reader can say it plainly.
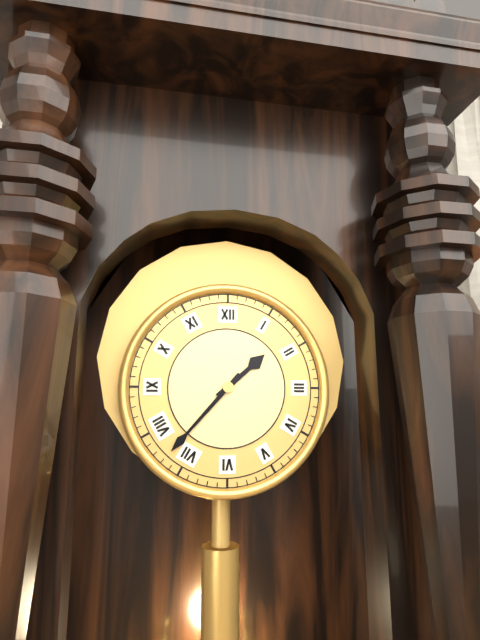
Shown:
1.37
